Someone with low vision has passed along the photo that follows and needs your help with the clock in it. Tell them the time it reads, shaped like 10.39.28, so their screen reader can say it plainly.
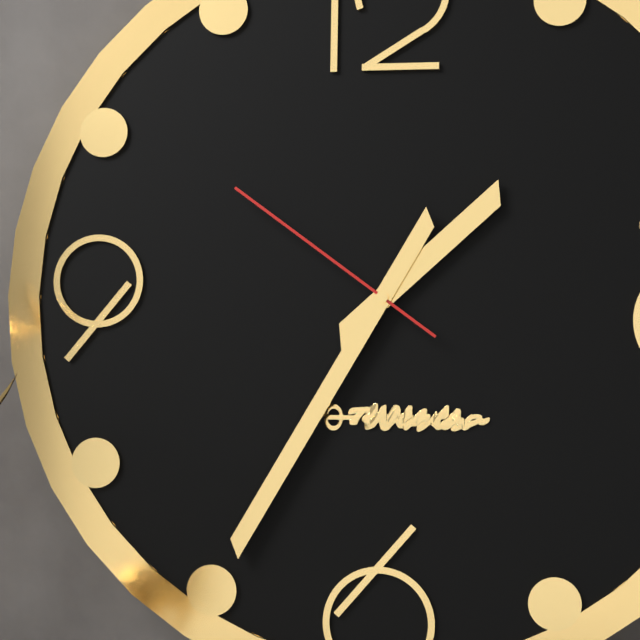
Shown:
1.35.51
